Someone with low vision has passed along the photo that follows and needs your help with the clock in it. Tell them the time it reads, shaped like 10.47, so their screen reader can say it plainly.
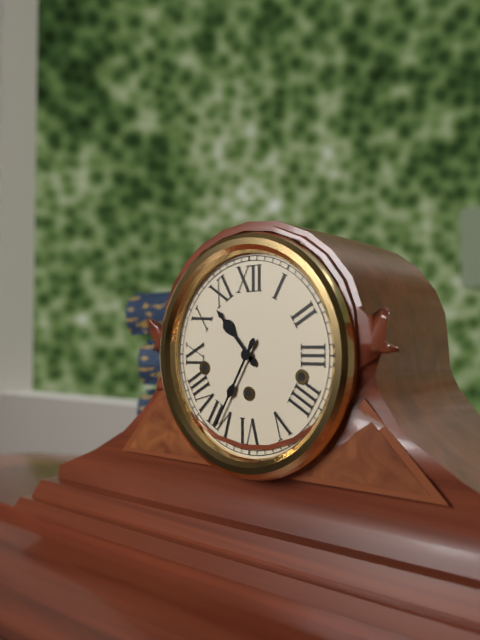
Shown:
10.35
